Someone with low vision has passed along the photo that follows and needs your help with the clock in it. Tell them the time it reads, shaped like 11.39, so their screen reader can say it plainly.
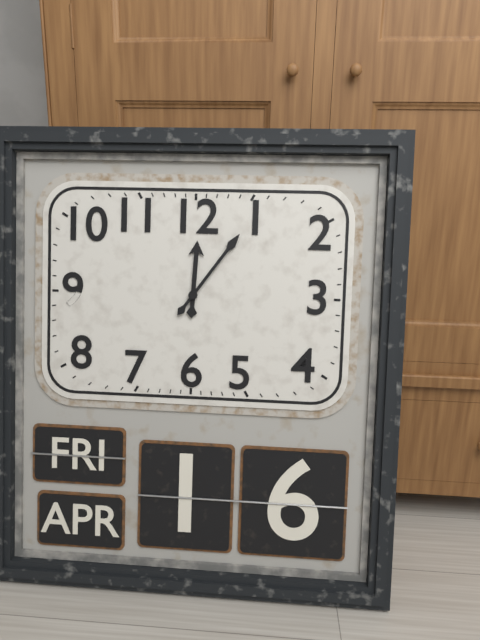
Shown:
12.06
